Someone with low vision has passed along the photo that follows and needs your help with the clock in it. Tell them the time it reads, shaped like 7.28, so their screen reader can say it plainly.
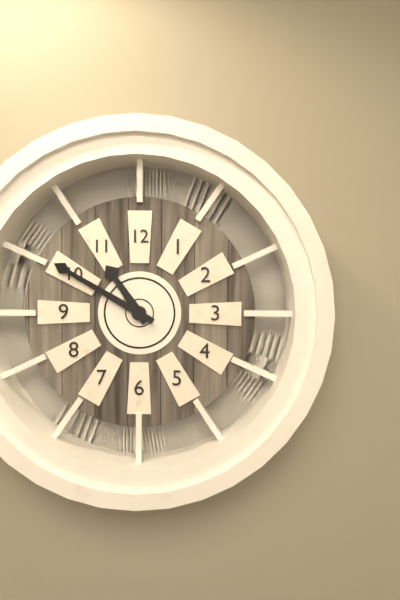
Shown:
10.50
